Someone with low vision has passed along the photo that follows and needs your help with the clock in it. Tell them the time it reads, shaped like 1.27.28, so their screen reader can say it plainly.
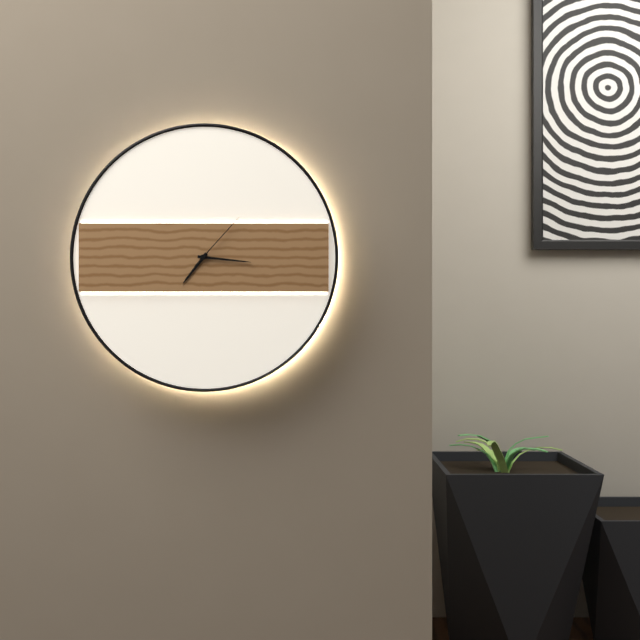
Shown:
7.16.07
